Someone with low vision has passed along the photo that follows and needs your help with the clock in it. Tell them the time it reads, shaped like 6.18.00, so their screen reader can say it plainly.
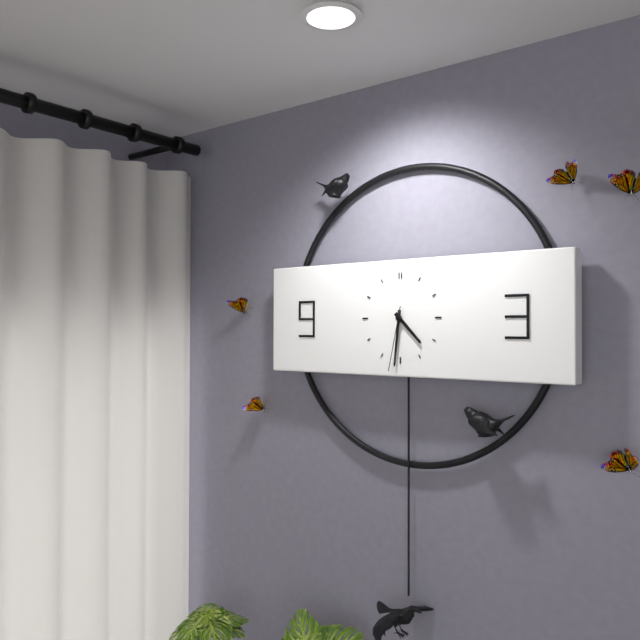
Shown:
4.31.32
